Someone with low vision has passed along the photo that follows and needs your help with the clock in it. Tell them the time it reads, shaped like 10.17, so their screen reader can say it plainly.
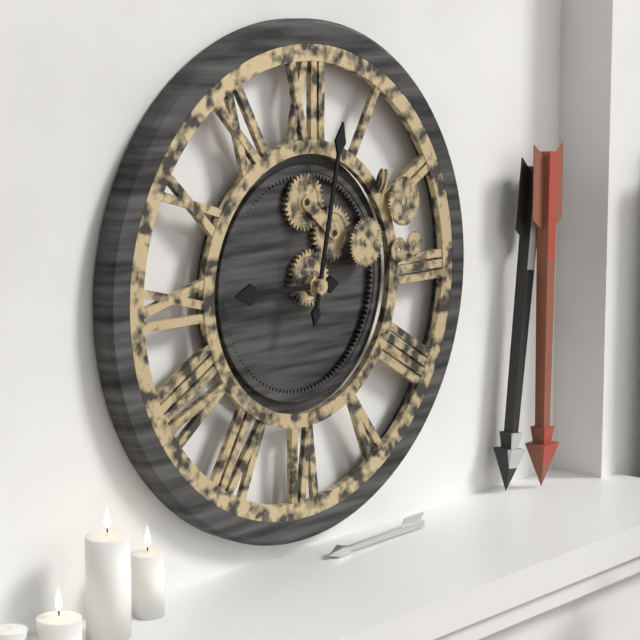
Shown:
9.02
